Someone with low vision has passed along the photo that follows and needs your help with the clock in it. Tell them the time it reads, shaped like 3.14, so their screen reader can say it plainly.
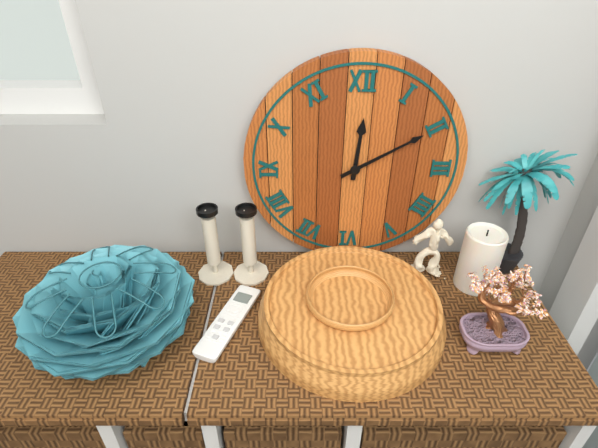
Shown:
12.10
